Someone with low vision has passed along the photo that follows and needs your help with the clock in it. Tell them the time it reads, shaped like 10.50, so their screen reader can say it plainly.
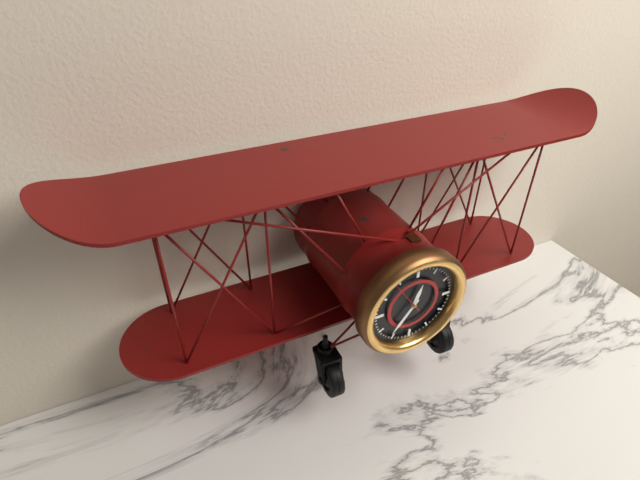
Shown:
12.36
